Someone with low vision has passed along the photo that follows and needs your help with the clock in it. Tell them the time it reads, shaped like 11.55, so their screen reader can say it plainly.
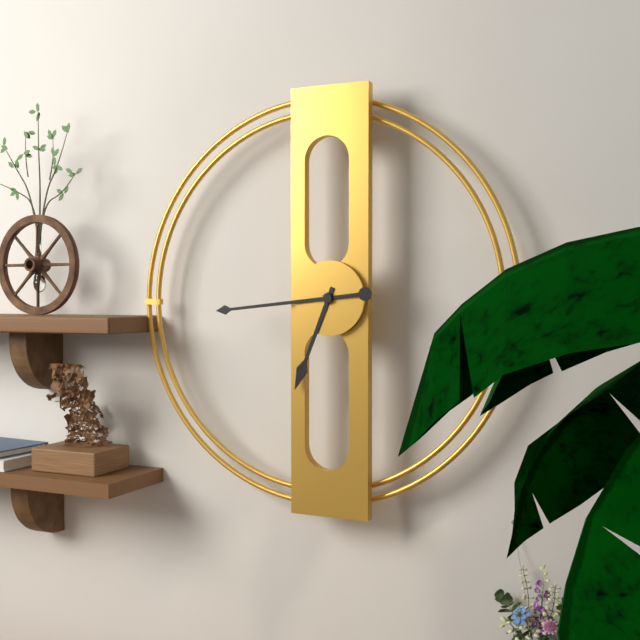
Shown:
6.44
